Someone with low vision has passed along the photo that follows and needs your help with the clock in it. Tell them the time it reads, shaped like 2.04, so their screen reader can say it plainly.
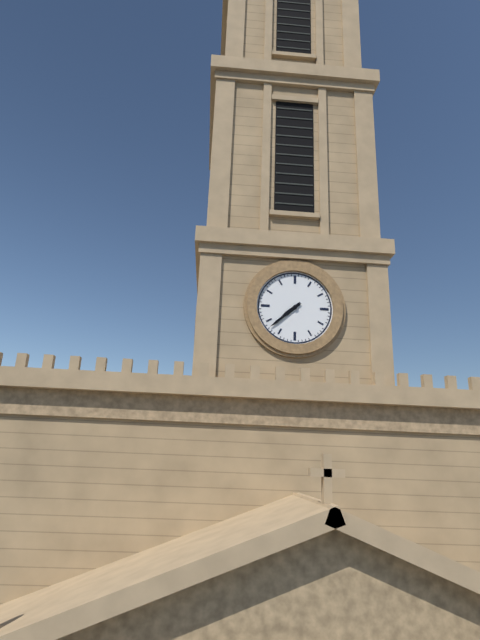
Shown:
7.38
